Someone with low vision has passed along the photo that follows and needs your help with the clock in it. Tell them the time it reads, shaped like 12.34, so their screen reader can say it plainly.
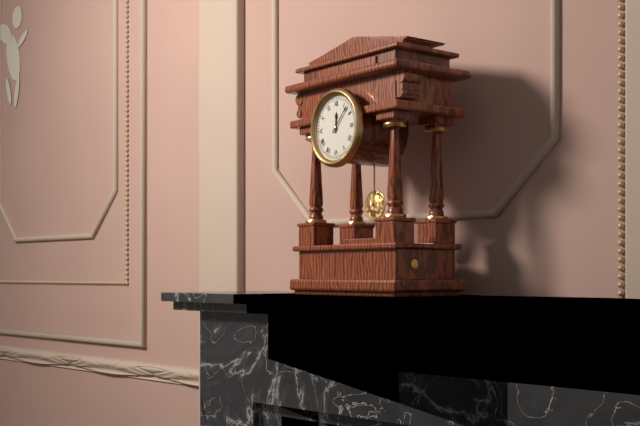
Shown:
12.07
